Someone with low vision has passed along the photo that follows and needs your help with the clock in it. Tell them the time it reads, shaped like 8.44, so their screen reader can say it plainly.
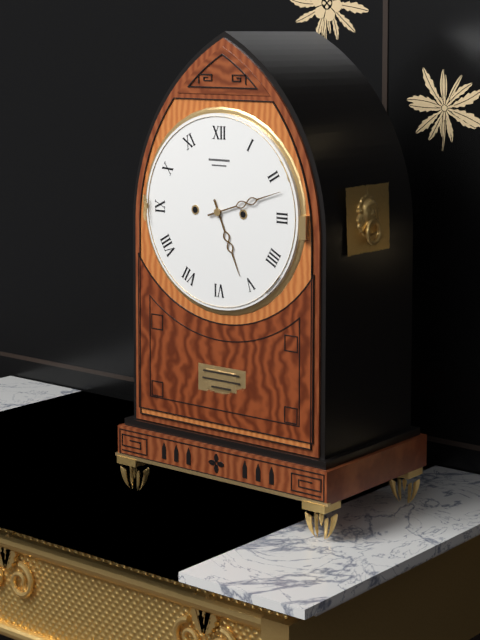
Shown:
5.12
